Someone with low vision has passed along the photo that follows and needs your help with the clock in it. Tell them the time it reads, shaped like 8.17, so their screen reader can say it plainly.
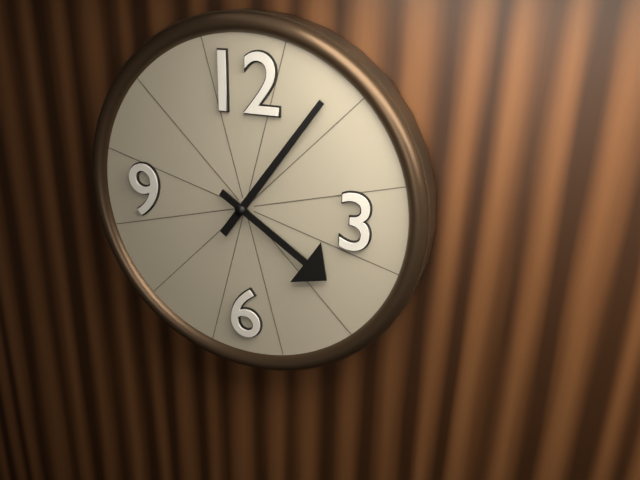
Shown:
4.06
